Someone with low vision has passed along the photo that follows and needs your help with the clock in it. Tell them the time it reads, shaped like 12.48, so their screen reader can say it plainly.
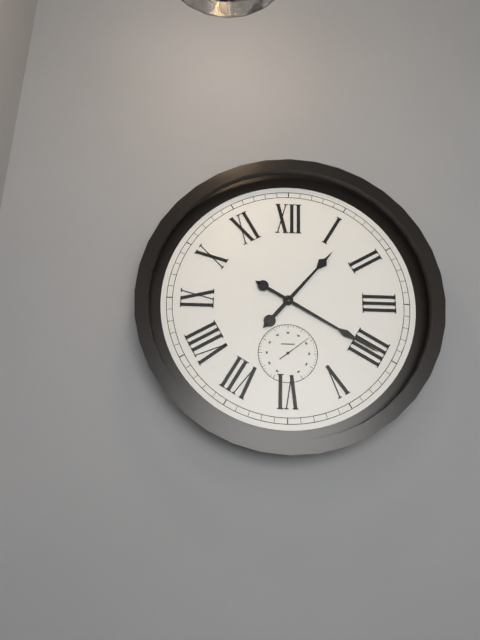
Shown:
1.20
